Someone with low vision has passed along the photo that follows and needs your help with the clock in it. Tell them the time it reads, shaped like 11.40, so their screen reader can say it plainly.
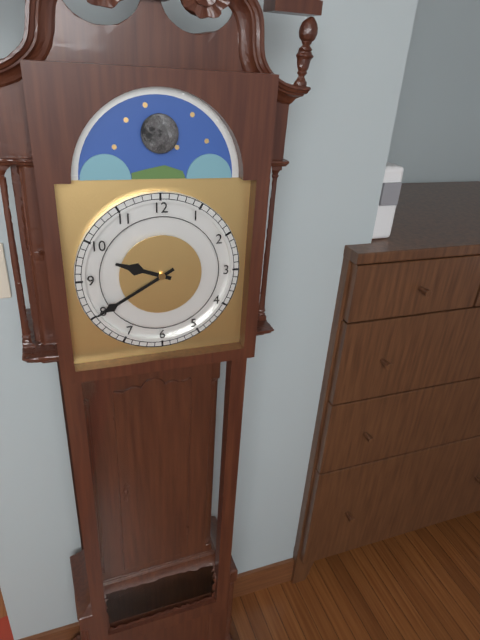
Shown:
9.40
